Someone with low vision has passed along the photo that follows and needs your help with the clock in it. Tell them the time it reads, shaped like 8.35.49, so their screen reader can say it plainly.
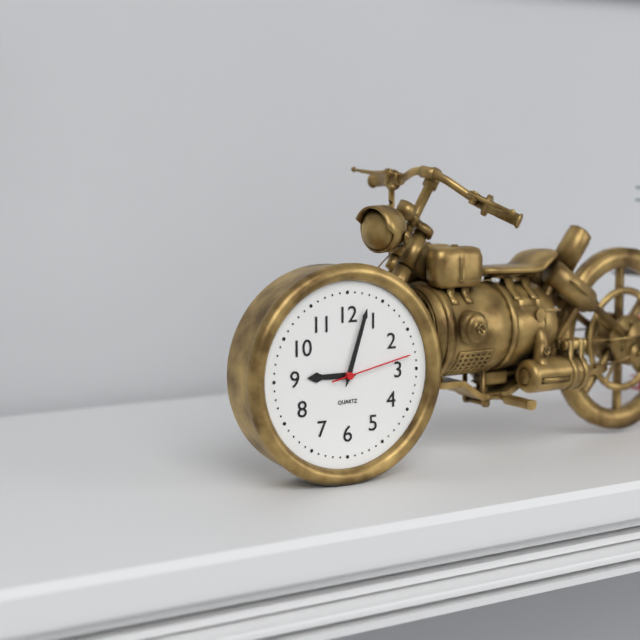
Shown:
9.03.13
